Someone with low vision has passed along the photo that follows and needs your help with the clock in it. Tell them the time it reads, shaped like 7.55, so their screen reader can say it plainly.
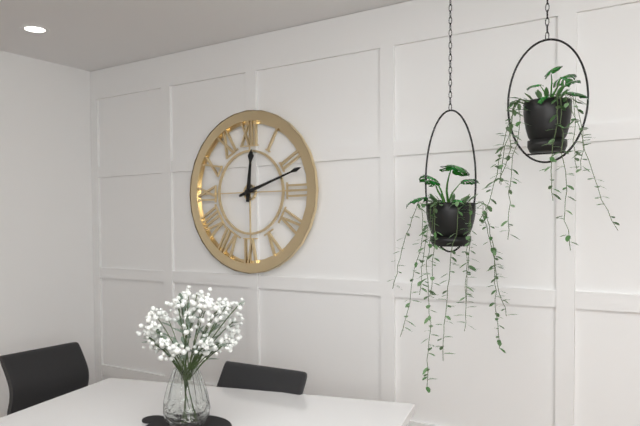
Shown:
12.12
